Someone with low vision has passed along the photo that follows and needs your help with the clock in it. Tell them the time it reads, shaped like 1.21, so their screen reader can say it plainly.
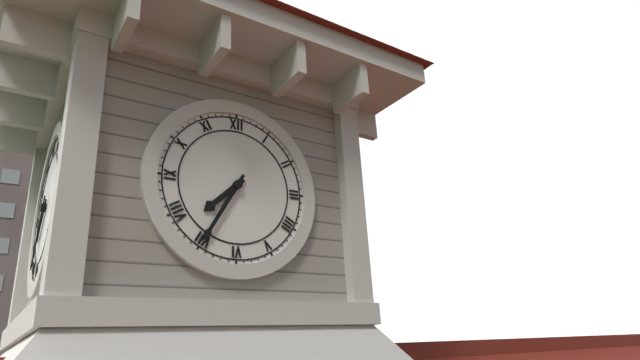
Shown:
7.35
